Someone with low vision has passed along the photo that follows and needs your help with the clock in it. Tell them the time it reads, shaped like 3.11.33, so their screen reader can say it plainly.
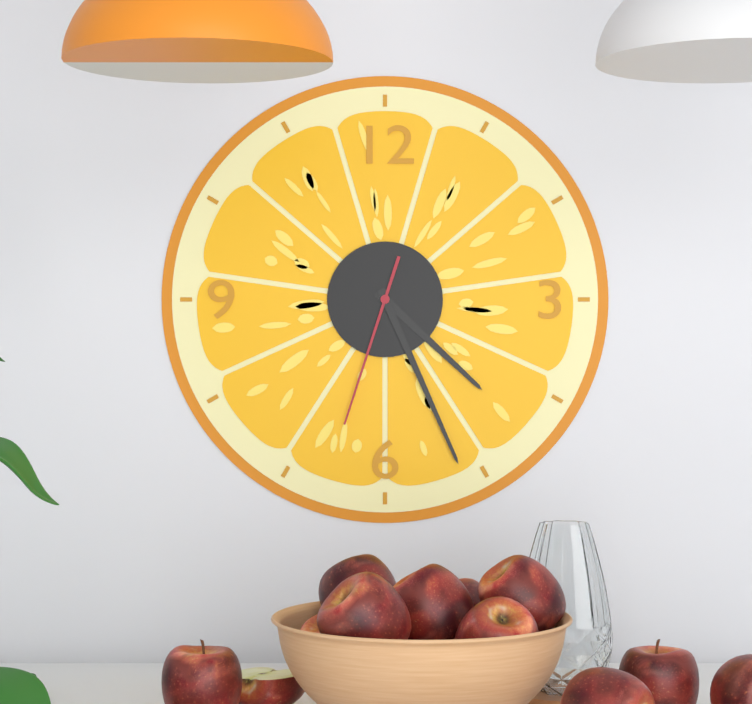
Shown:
4.26.33
